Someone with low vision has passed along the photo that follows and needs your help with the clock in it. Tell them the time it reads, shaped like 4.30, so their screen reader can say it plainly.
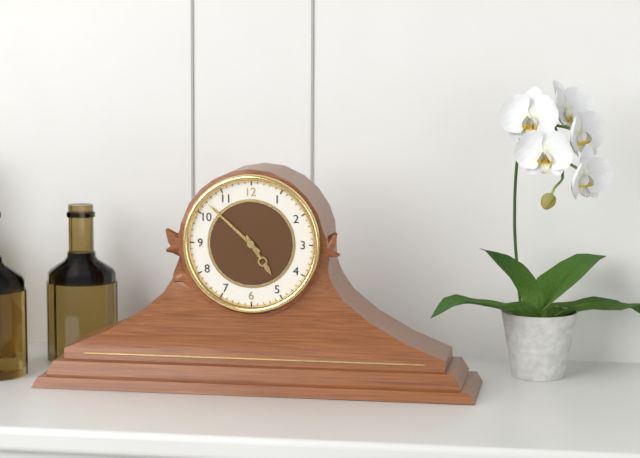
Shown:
4.52
